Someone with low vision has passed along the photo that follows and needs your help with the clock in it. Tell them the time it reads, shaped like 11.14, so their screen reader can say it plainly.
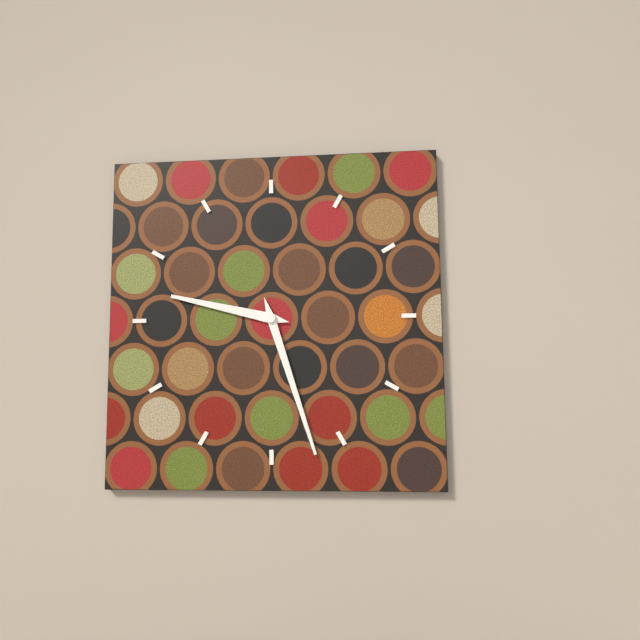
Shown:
9.27
